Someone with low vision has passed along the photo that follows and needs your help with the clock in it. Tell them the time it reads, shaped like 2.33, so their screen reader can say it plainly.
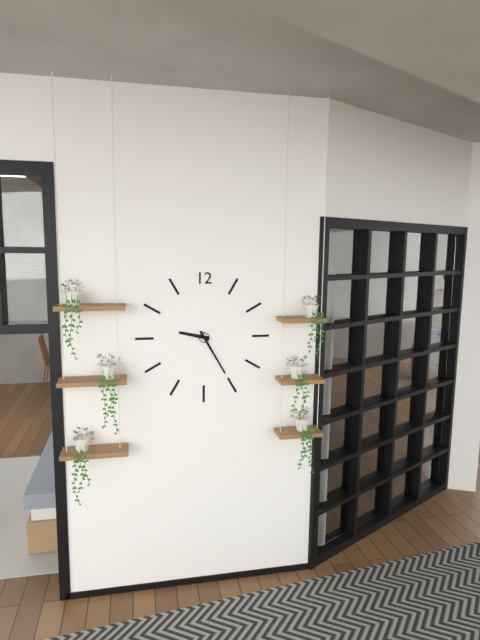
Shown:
9.25
